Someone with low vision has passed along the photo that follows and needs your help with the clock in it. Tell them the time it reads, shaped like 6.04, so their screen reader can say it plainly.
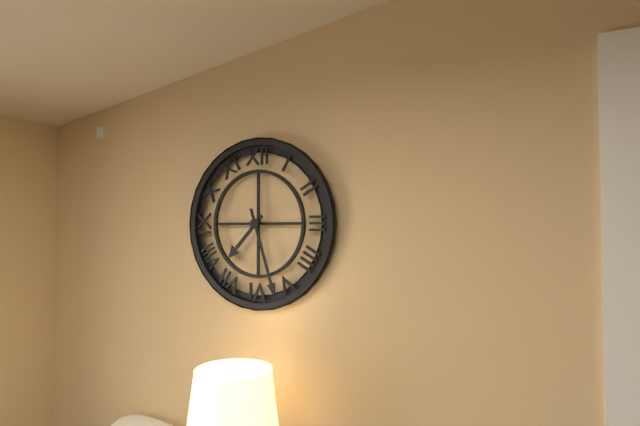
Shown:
7.27
